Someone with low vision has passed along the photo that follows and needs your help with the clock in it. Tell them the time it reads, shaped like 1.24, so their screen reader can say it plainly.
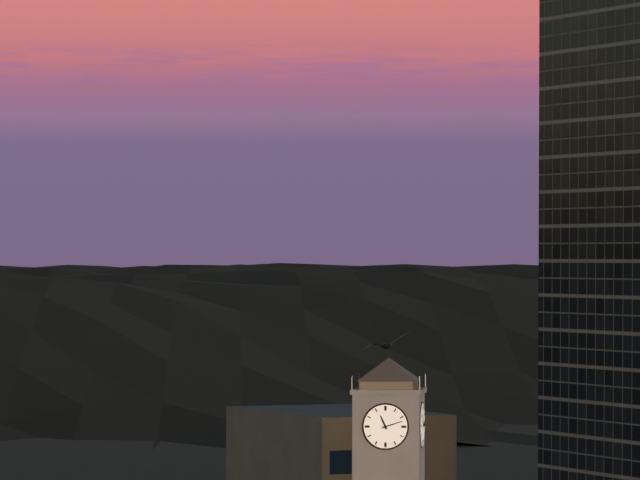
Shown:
11.12
